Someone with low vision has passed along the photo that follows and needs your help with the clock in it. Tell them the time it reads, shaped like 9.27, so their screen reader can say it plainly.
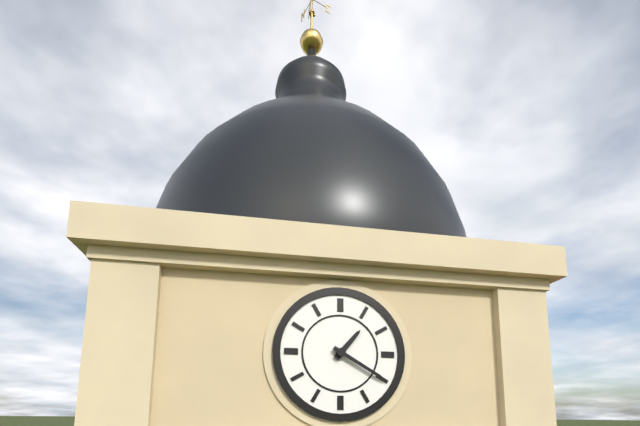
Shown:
1.20
